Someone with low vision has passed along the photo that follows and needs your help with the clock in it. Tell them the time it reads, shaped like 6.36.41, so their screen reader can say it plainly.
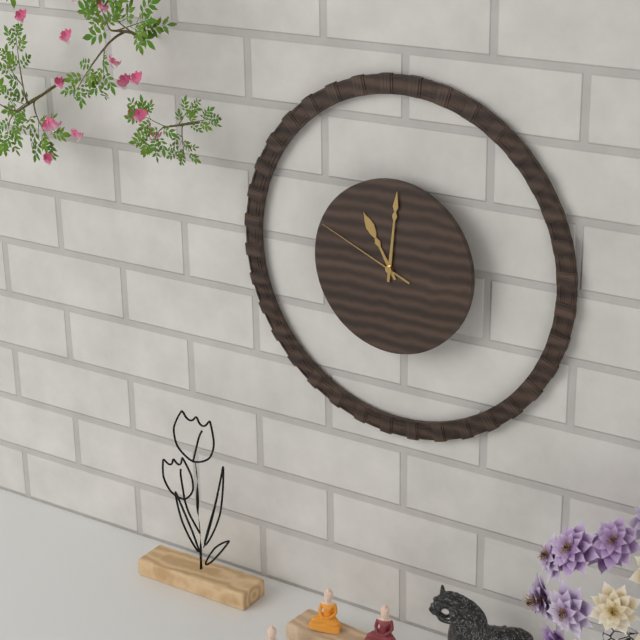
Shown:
11.01.49
